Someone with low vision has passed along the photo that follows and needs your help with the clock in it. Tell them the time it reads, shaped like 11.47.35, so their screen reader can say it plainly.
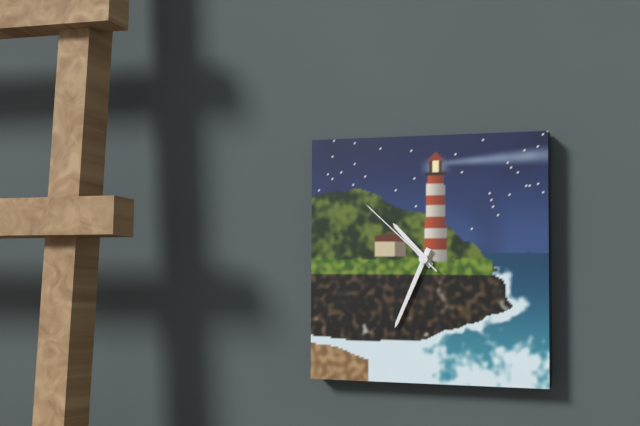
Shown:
10.34.52
